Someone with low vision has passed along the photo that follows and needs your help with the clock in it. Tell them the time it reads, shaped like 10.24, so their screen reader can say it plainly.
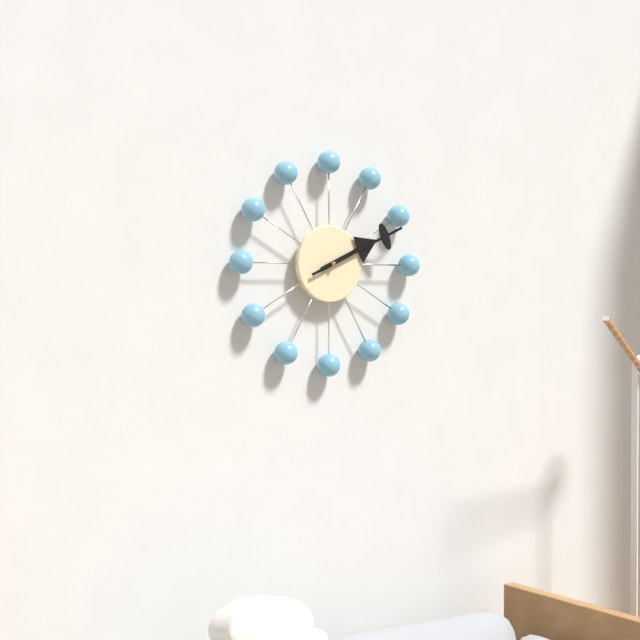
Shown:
2.11
